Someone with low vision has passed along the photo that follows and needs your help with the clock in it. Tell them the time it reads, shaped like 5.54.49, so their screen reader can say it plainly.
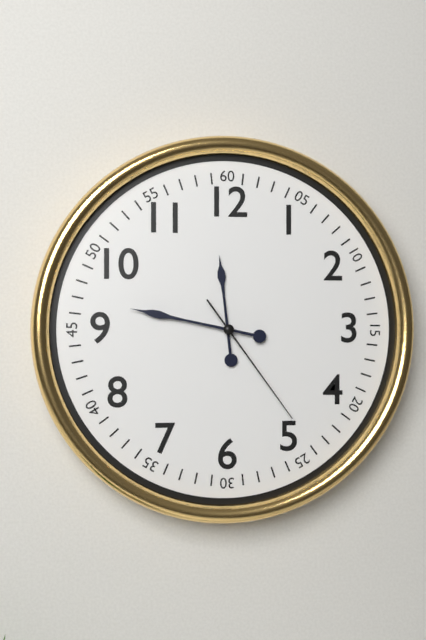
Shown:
11.47.24
